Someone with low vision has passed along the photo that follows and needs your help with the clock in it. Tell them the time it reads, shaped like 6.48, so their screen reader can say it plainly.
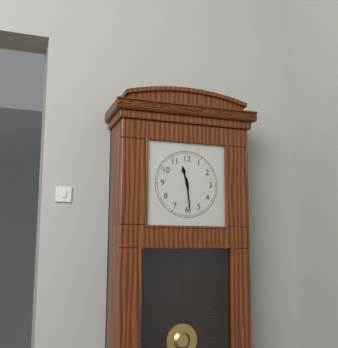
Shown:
11.29
